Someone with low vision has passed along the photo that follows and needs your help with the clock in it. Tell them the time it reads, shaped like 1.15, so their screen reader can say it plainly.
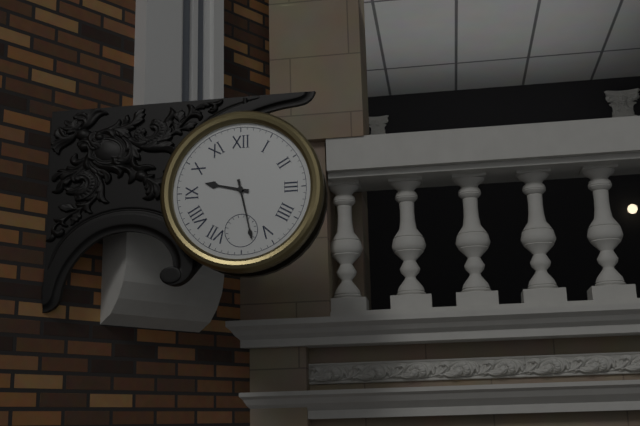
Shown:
9.28
